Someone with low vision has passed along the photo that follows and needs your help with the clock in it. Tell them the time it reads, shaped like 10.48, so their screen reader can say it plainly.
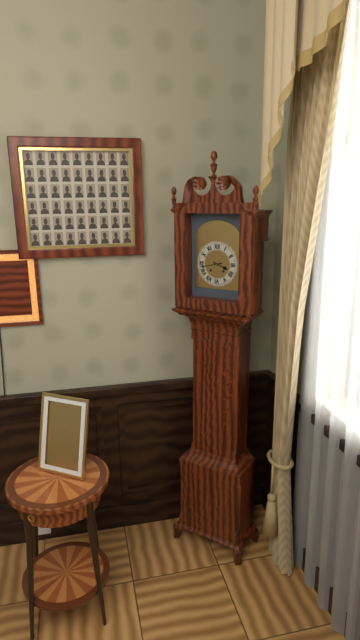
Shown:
3.43
